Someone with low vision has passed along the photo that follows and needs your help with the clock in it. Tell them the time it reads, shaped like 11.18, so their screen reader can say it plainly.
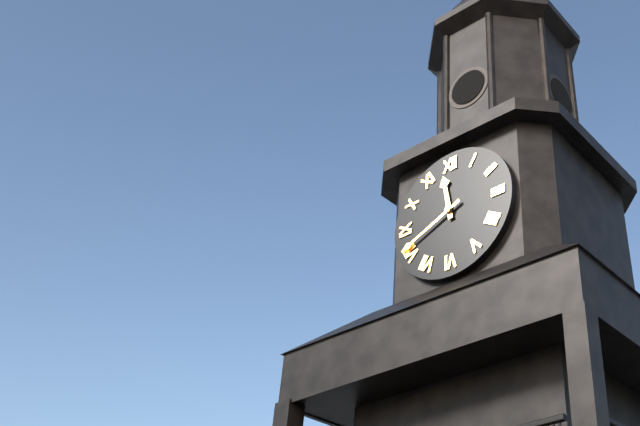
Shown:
11.41
